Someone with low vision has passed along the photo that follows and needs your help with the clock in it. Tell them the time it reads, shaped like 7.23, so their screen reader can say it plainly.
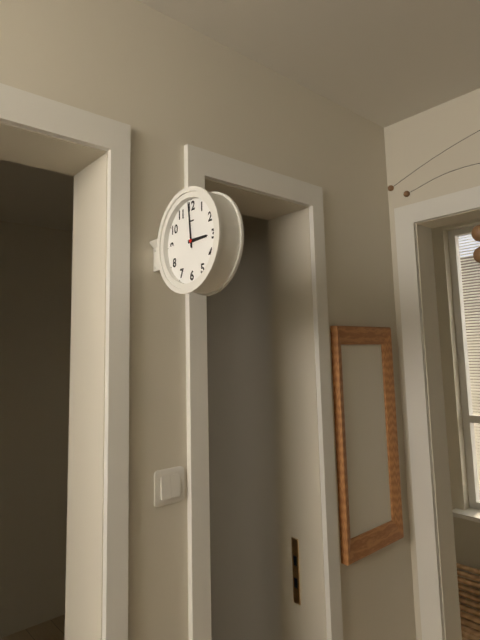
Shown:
2.59
